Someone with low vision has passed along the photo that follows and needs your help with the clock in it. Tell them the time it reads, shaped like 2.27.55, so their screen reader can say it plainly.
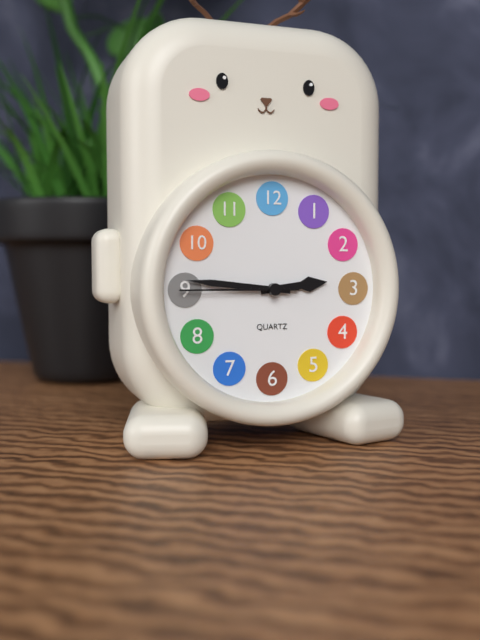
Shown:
2.46.45
